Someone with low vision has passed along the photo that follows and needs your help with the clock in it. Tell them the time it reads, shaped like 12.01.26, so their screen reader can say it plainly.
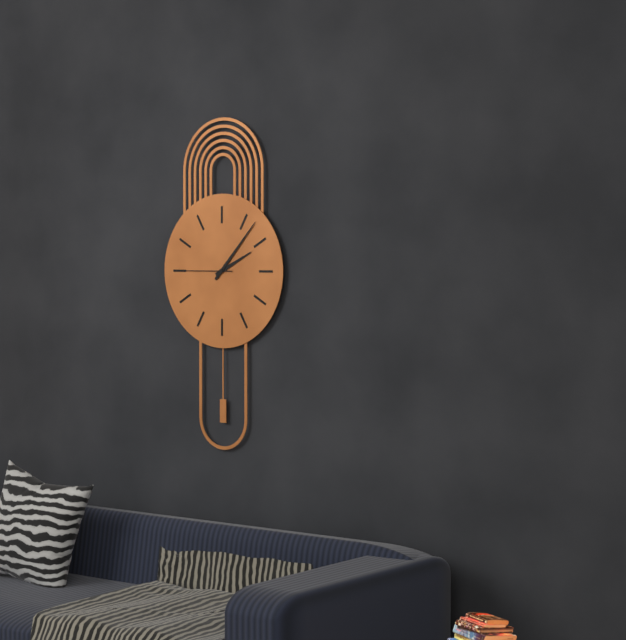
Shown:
2.07.45
